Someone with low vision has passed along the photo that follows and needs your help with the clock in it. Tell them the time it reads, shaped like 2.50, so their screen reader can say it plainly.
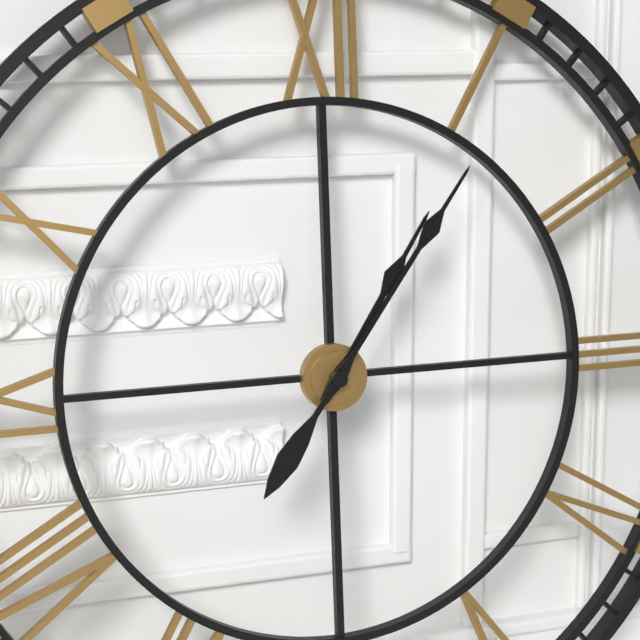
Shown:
1.06
